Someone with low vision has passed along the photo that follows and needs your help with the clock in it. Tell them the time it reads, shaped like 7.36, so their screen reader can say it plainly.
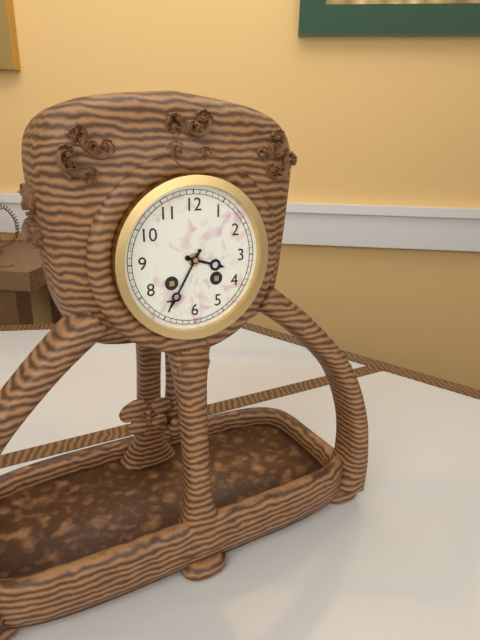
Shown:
3.35
